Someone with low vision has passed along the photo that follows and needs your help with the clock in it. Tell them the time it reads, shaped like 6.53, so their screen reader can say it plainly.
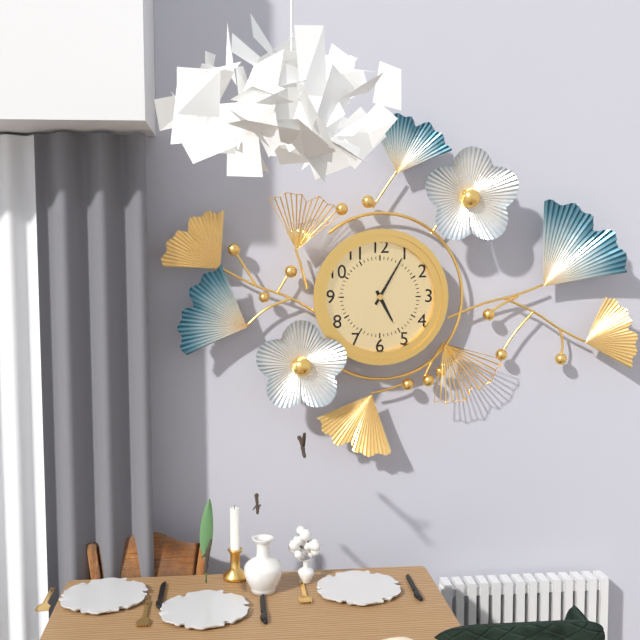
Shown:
5.05
